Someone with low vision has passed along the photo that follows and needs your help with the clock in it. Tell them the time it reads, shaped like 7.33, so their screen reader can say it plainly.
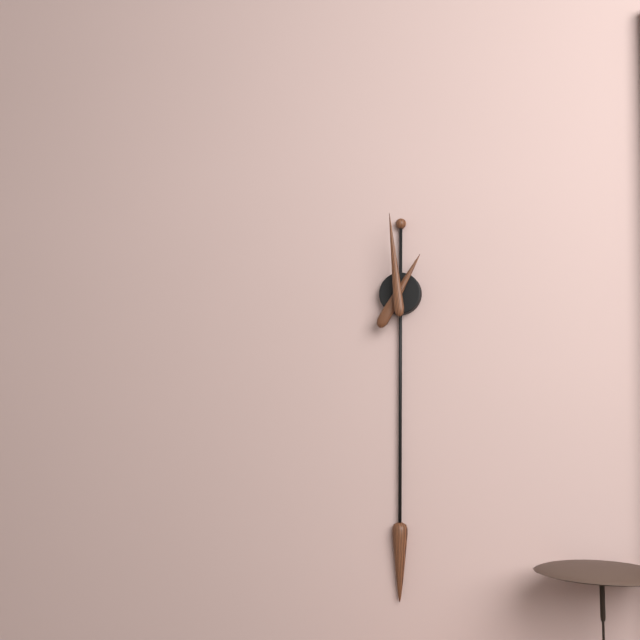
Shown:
12.59
